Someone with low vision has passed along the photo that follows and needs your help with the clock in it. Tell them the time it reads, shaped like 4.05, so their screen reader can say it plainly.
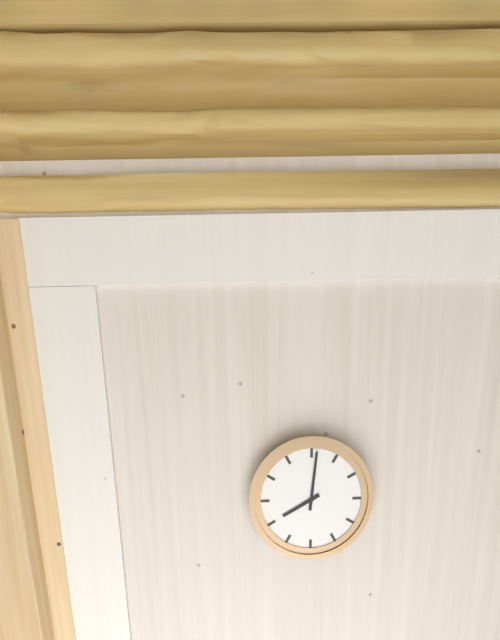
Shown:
8.01
